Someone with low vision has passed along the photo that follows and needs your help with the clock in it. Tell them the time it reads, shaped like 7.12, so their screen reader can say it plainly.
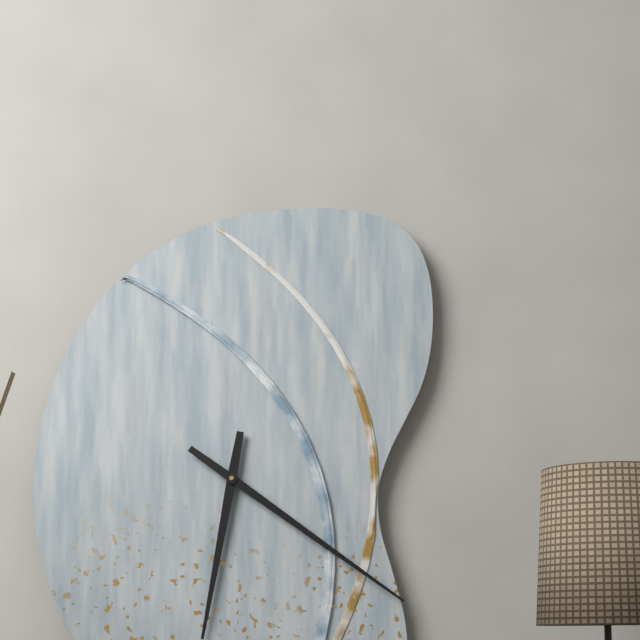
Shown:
6.21
